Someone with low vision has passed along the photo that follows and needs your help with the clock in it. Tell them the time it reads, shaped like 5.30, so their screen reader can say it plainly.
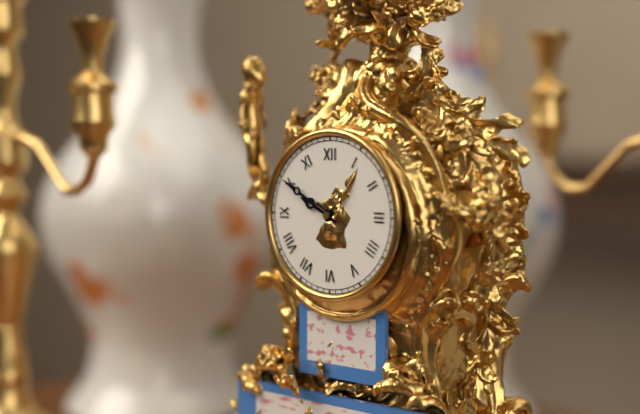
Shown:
9.50
